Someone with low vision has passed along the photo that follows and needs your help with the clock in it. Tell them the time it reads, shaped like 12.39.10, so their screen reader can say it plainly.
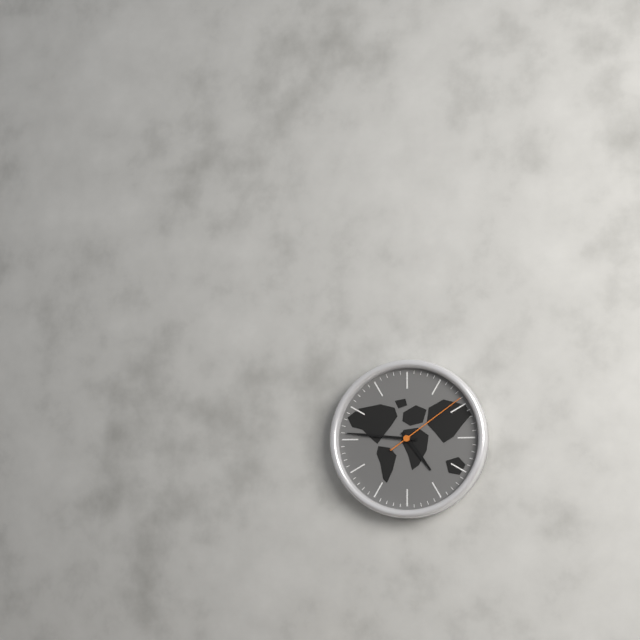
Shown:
4.46.09
